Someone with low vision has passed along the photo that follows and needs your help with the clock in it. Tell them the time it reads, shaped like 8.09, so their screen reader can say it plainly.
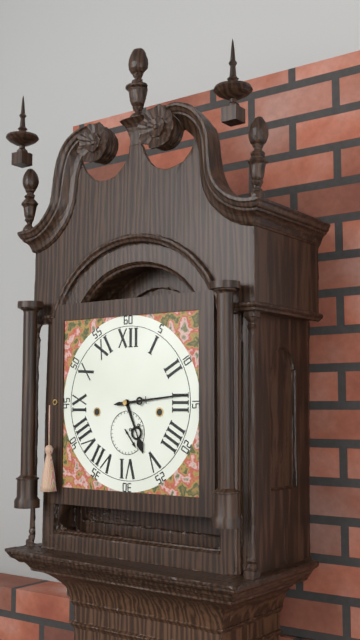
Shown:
5.14
